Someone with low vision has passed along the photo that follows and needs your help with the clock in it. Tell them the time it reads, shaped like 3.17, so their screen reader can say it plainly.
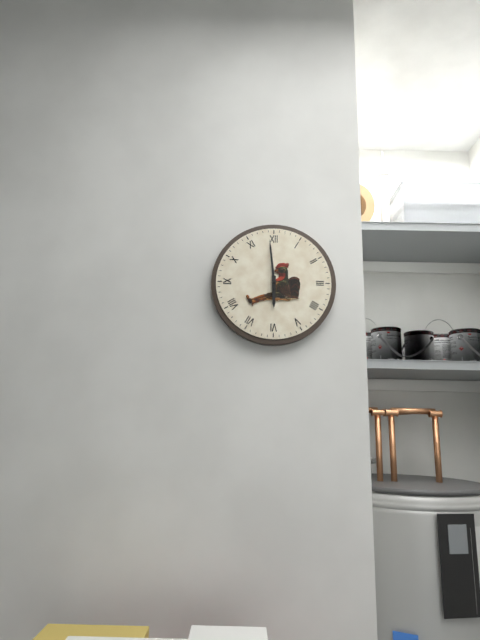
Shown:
5.59
